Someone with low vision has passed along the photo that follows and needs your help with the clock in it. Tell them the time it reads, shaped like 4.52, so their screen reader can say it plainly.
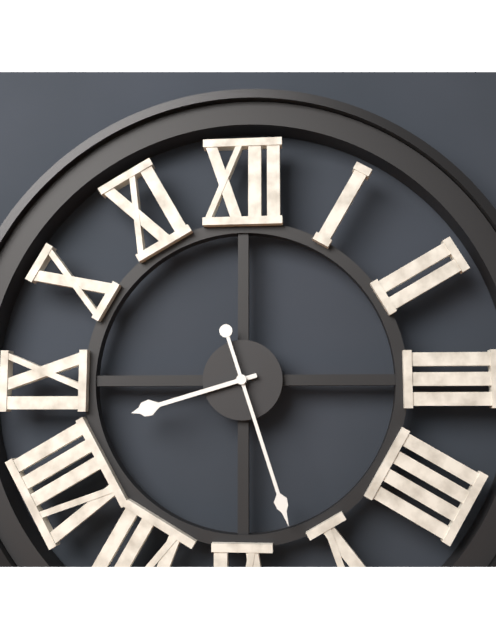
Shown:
8.27
